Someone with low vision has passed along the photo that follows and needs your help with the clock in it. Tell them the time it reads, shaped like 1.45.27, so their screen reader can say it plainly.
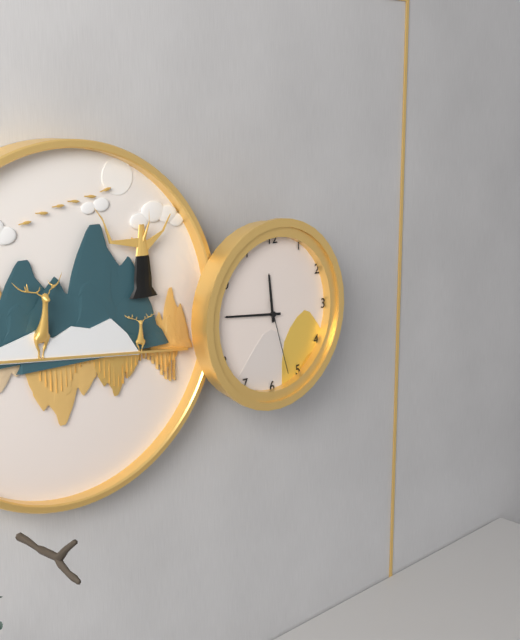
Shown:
11.46.27
